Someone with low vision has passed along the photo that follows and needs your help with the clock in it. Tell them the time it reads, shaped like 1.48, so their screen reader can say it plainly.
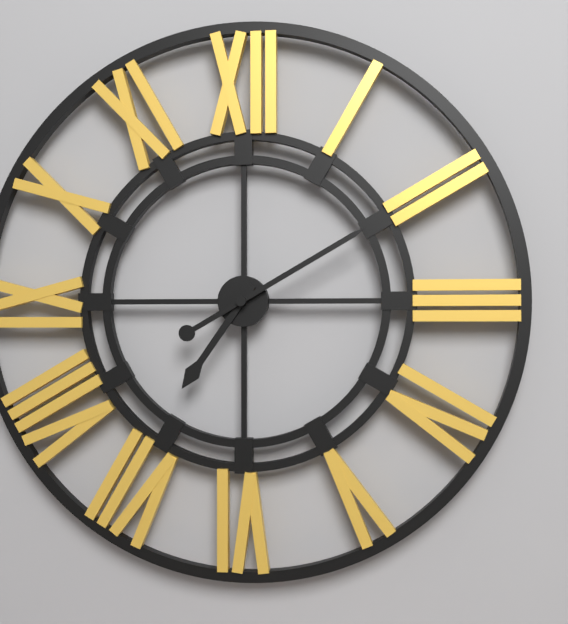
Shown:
7.10
